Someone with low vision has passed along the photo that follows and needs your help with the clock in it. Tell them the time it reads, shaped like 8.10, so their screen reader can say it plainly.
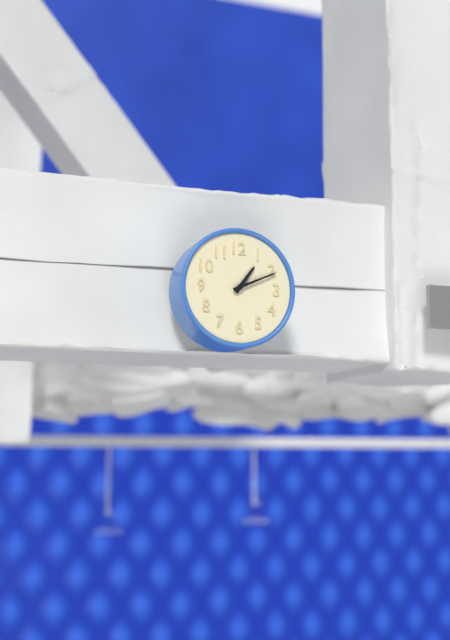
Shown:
1.11
